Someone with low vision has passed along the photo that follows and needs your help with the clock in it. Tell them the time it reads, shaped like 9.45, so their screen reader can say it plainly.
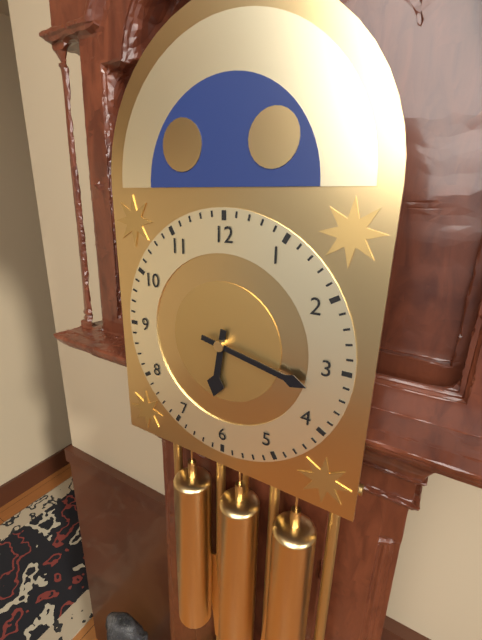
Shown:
6.17
